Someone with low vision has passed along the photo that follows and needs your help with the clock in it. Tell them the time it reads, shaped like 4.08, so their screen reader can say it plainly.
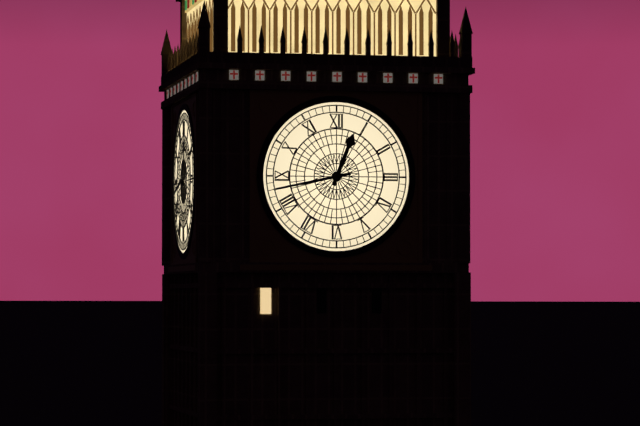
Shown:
12.43
